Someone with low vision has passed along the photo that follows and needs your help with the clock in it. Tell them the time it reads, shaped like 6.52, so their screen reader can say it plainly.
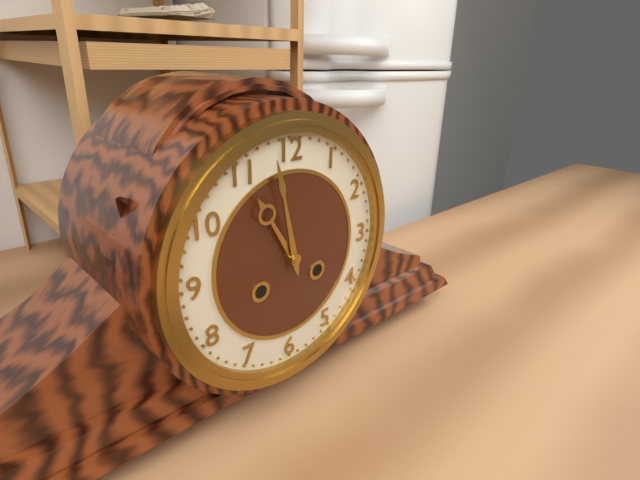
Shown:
10.58
